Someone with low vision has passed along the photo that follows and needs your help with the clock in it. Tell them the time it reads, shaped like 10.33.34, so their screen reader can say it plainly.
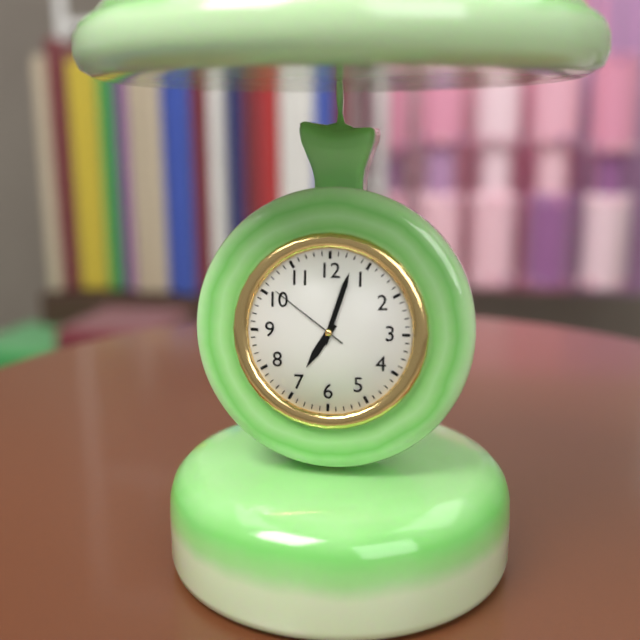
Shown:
7.03.51
